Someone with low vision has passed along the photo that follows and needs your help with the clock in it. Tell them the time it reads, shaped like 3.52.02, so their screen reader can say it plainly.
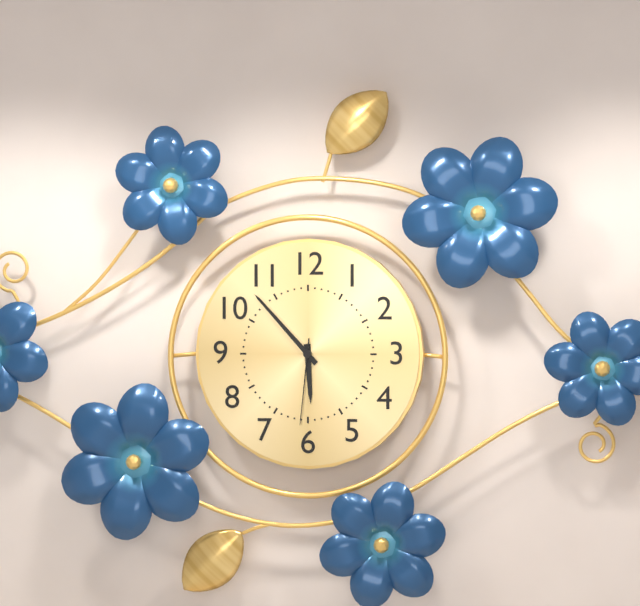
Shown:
5.53.31
